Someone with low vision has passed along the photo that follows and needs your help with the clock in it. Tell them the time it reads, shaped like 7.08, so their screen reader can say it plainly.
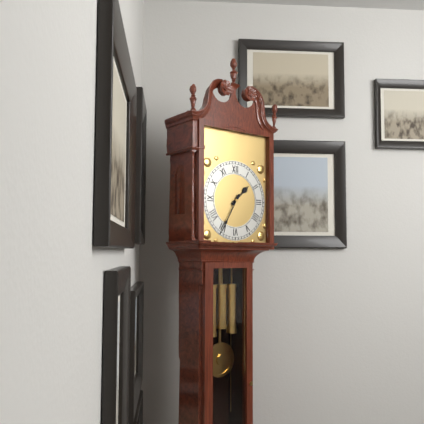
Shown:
1.35
